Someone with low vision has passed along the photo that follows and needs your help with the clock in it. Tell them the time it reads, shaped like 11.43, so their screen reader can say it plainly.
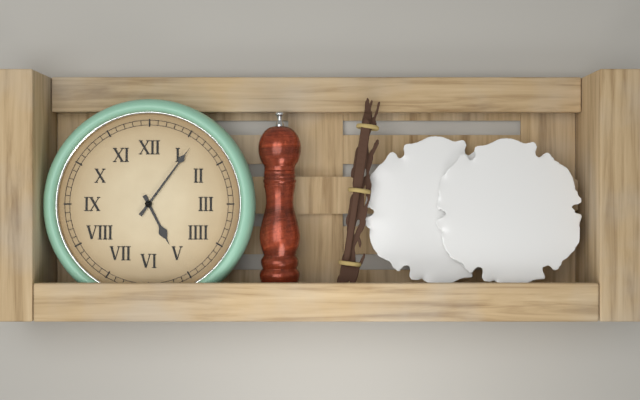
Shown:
5.06
